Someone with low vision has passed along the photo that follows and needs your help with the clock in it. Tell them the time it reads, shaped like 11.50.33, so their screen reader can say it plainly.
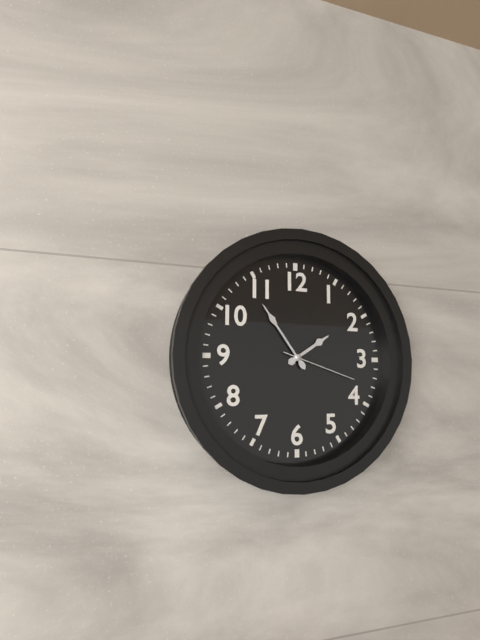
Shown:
1.54.18
